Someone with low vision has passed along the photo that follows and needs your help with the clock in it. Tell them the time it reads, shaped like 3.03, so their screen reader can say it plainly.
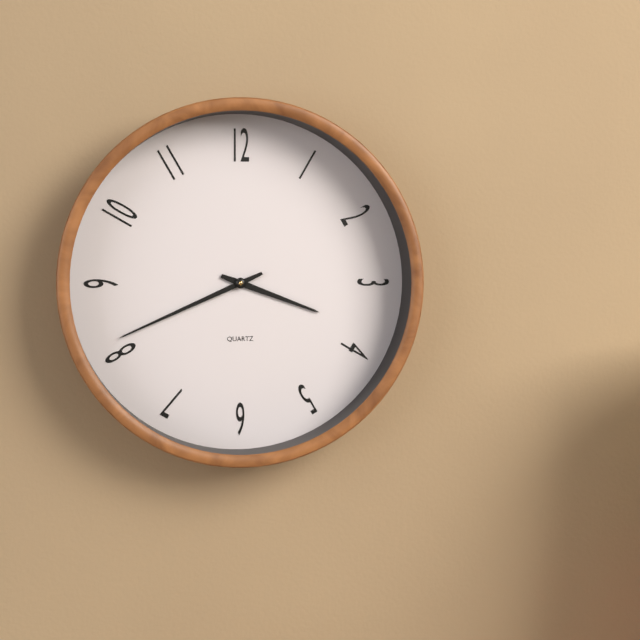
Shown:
3.41
